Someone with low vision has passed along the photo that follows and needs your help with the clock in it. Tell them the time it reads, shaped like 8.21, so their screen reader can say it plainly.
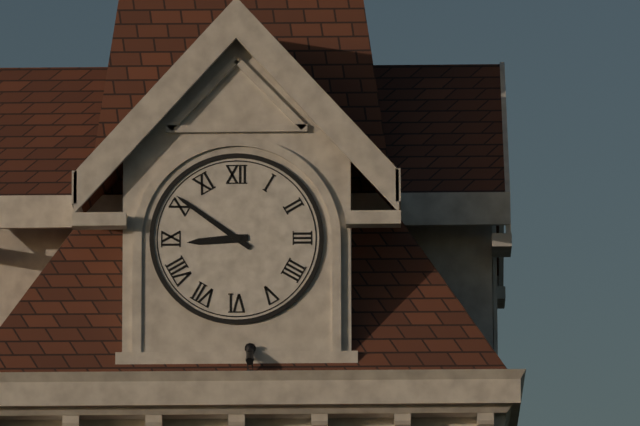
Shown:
8.51
